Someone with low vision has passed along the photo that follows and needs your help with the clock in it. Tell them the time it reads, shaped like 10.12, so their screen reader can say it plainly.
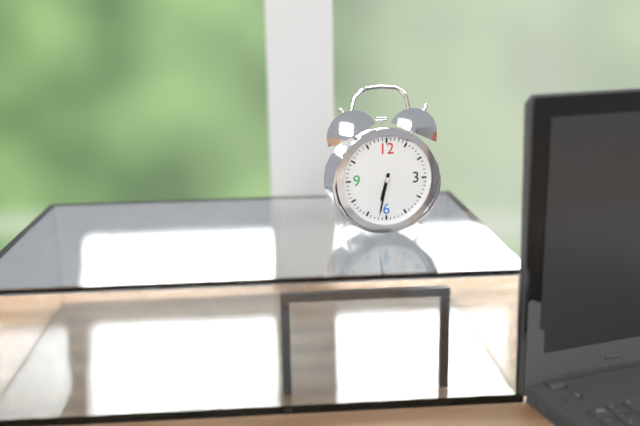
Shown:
6.32
